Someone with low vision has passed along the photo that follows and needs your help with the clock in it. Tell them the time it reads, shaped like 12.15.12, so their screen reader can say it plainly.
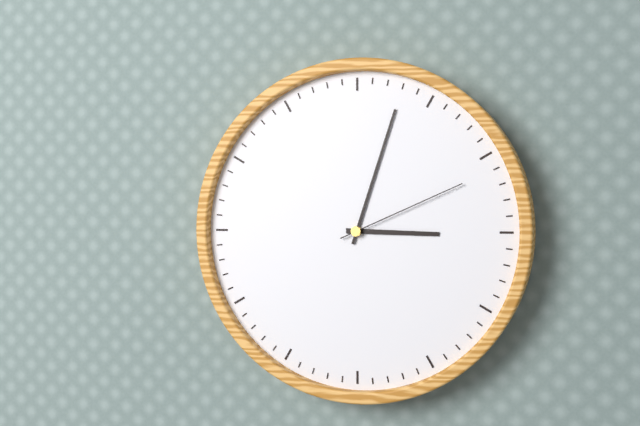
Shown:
3.03.11
